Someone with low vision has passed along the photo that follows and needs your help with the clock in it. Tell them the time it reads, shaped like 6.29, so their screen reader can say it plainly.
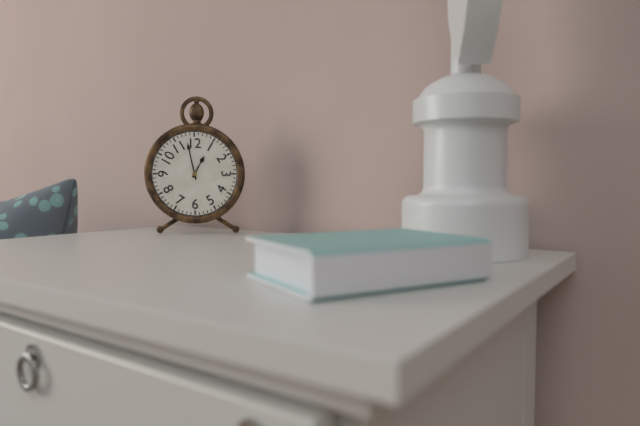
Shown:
12.58
